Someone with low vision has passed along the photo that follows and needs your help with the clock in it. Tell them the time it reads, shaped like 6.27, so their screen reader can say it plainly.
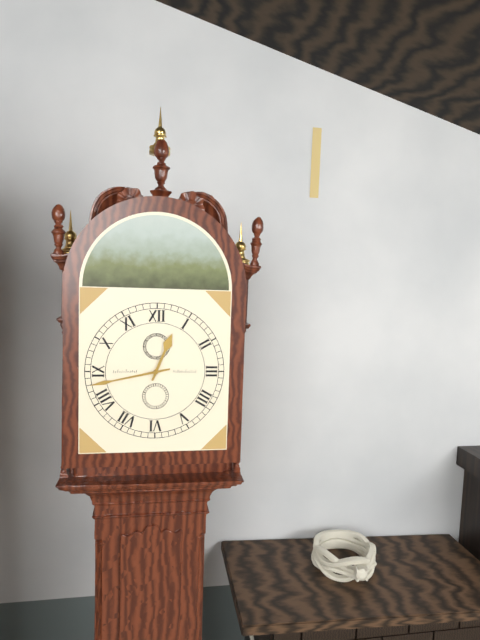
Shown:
12.43
